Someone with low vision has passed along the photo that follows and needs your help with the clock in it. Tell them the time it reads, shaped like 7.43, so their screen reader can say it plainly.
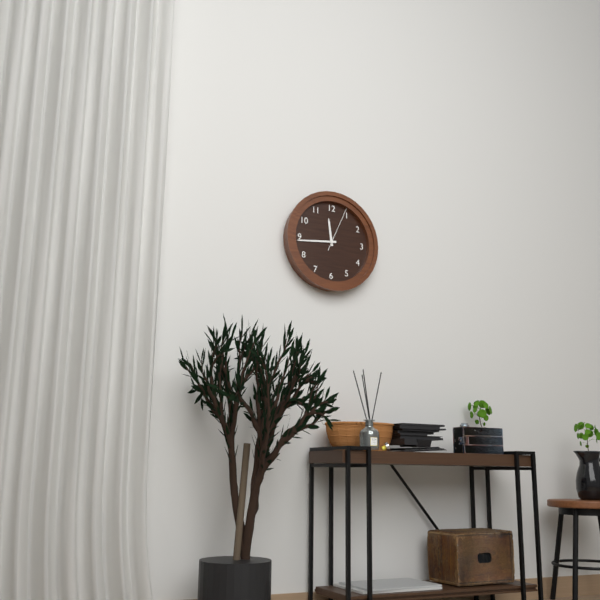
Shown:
11.44
